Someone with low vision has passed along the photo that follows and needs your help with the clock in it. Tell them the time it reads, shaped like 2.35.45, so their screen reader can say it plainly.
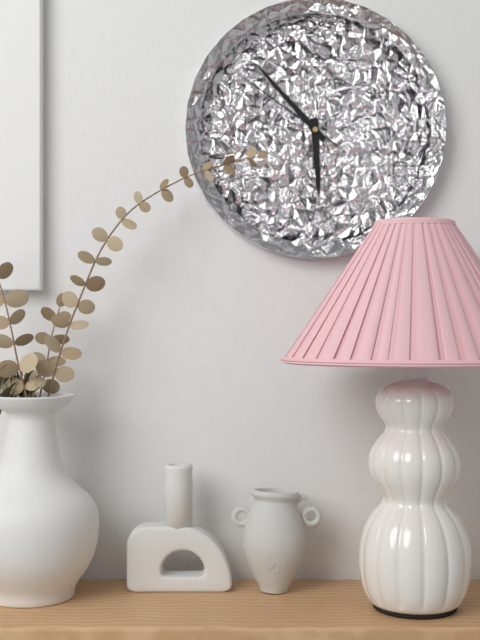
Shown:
5.53.51
